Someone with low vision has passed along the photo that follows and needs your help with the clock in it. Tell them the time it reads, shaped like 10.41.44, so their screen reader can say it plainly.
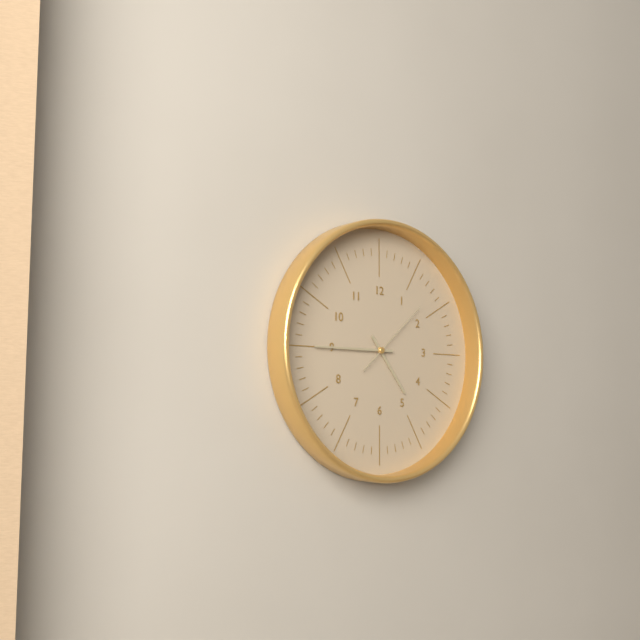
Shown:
4.45.08
